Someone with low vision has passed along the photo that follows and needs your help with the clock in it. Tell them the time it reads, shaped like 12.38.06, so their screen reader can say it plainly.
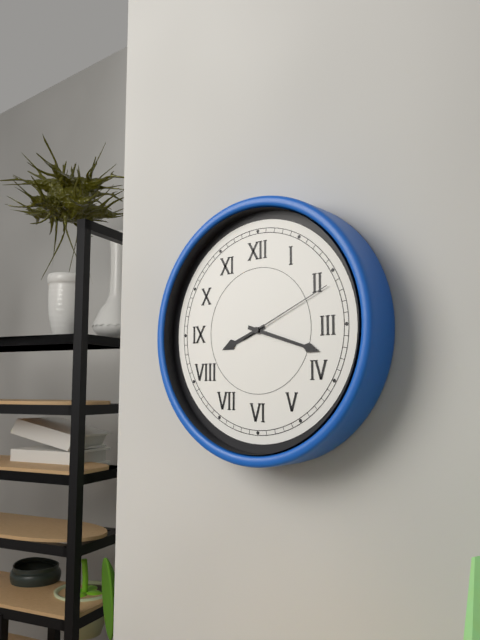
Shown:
8.18.11
